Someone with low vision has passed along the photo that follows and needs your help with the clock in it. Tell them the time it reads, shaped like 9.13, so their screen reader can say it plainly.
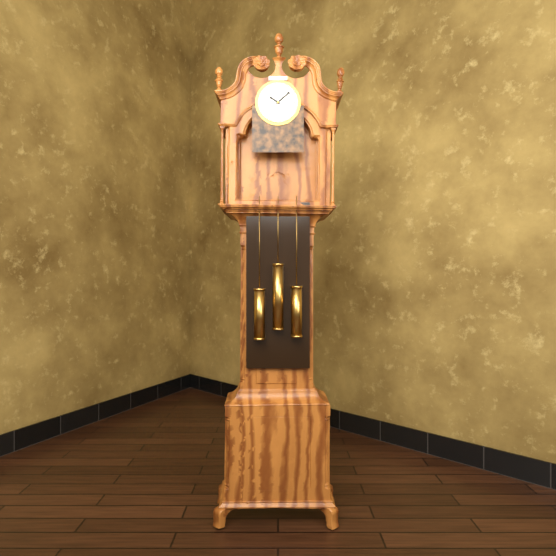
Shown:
10.08
